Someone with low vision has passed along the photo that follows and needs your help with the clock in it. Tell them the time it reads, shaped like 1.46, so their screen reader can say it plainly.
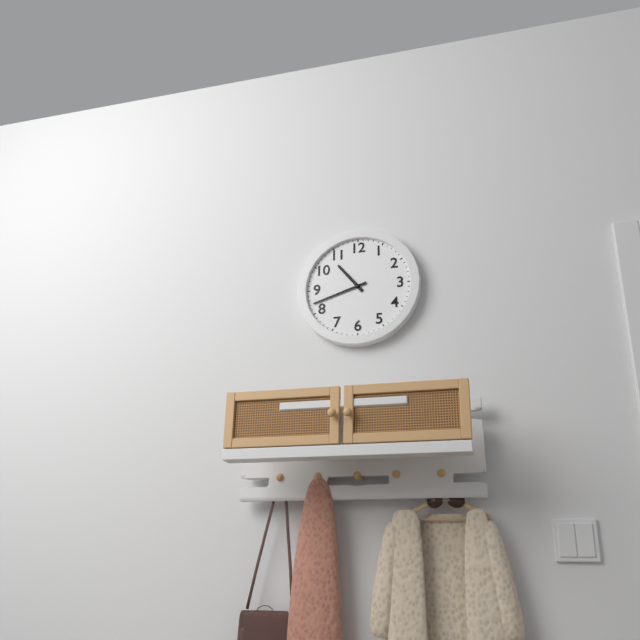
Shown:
10.42
